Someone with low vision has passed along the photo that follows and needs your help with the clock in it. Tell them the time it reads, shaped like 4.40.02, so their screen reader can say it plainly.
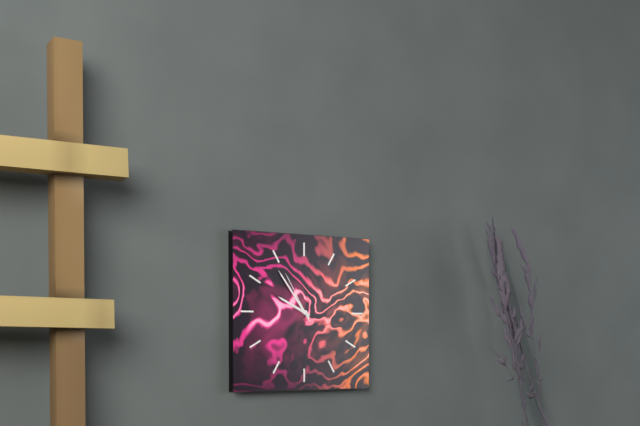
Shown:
9.54.55
